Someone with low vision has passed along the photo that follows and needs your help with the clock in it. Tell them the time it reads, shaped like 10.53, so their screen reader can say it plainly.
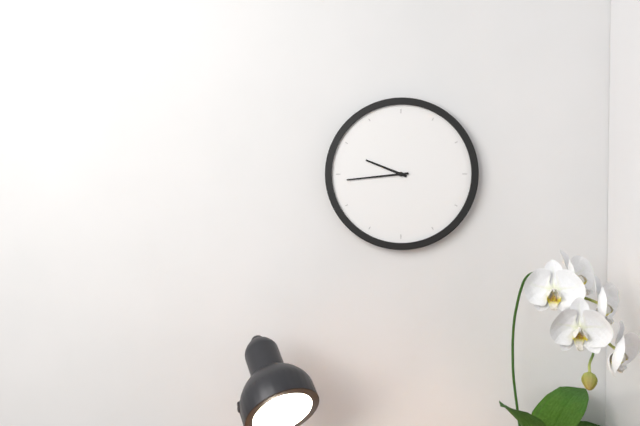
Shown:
9.44
